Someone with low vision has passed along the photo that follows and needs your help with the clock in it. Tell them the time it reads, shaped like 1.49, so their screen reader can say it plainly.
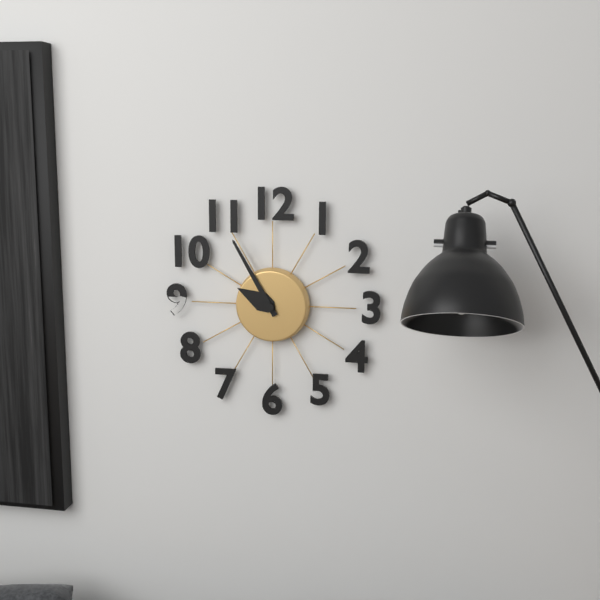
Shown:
9.55
